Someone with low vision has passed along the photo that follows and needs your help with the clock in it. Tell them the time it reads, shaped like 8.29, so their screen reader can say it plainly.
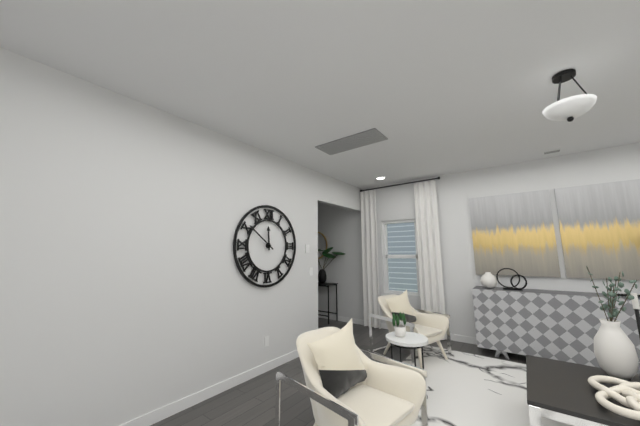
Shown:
11.51
